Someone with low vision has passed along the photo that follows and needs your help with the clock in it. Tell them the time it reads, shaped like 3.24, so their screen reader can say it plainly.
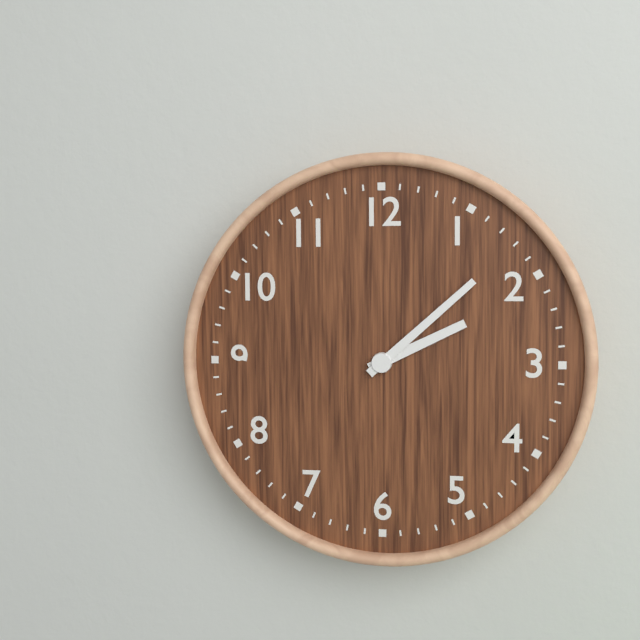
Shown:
2.08
